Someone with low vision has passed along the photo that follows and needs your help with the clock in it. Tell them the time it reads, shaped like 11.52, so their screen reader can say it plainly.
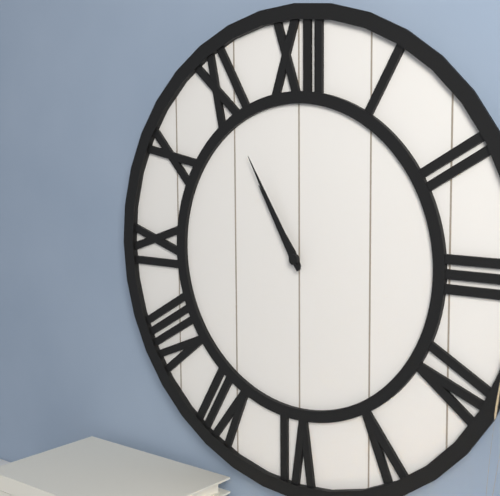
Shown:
10.55
